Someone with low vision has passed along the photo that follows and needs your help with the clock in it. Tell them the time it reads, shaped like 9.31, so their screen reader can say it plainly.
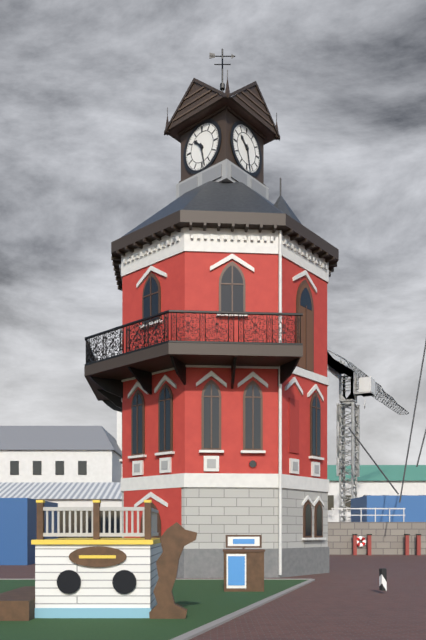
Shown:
10.28
